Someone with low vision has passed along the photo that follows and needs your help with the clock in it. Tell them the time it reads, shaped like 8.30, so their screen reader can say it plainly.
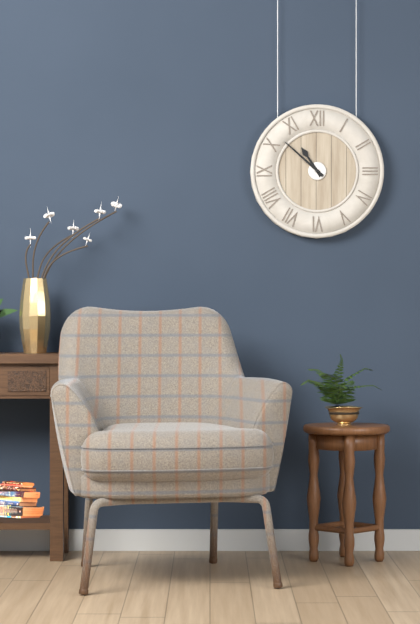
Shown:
10.52
